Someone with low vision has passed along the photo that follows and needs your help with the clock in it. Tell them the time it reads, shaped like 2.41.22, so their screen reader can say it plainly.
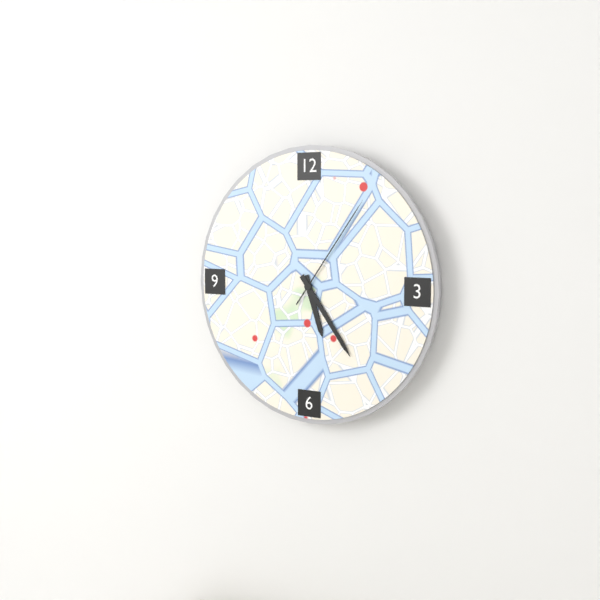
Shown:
5.24.06
